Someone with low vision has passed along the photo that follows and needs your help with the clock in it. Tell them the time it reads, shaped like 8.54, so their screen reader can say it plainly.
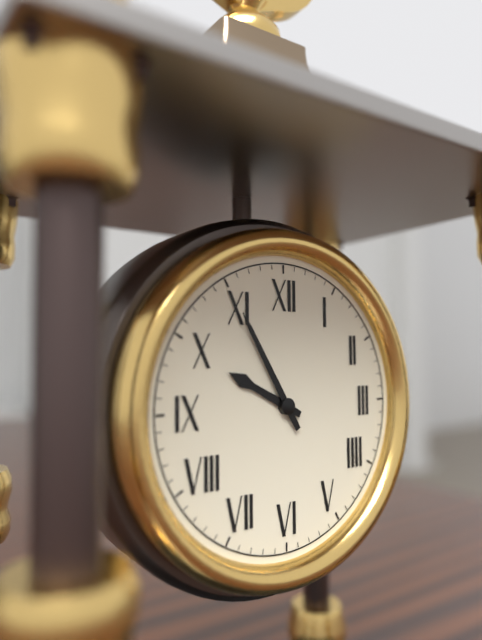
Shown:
9.55
